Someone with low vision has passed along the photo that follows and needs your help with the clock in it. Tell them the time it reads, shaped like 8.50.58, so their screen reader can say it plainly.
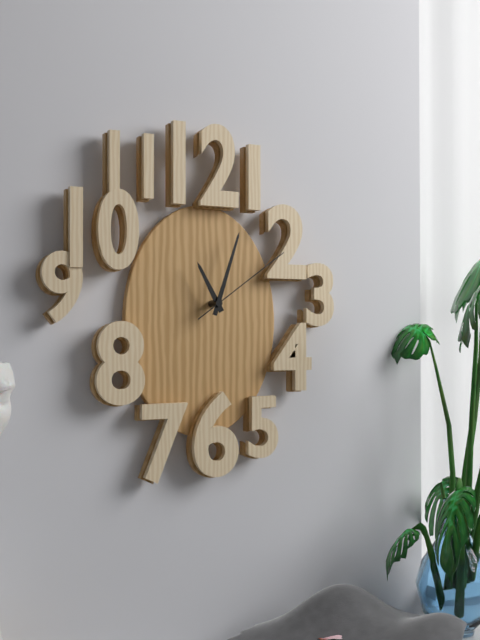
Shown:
11.03.09
